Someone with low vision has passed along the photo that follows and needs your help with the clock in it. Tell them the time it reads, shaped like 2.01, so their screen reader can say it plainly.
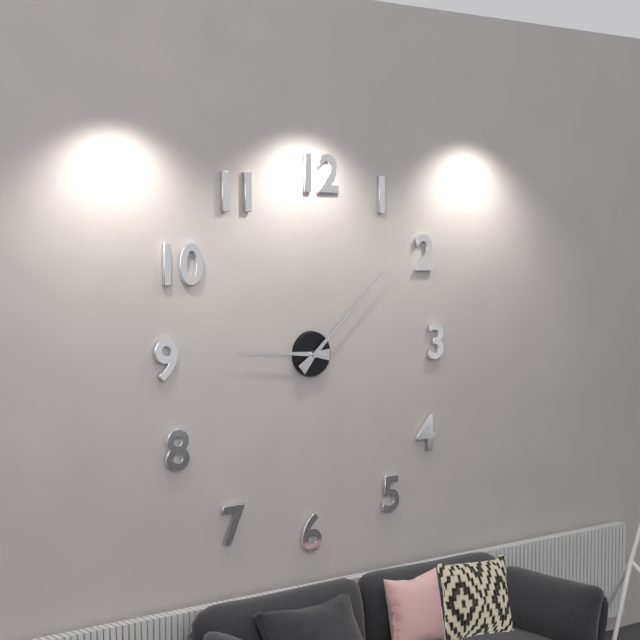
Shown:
9.08
